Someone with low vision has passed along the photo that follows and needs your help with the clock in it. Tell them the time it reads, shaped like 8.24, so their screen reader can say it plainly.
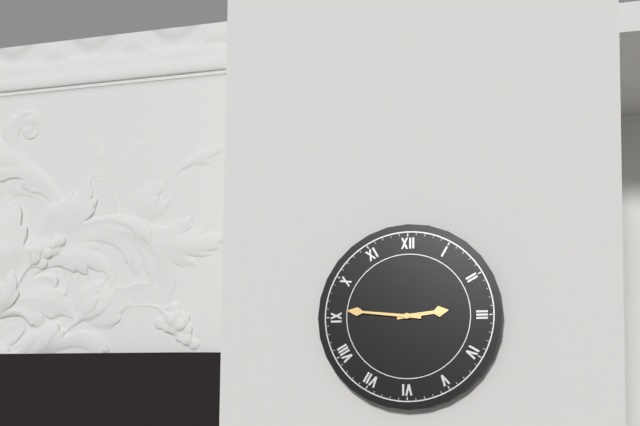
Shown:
2.46
